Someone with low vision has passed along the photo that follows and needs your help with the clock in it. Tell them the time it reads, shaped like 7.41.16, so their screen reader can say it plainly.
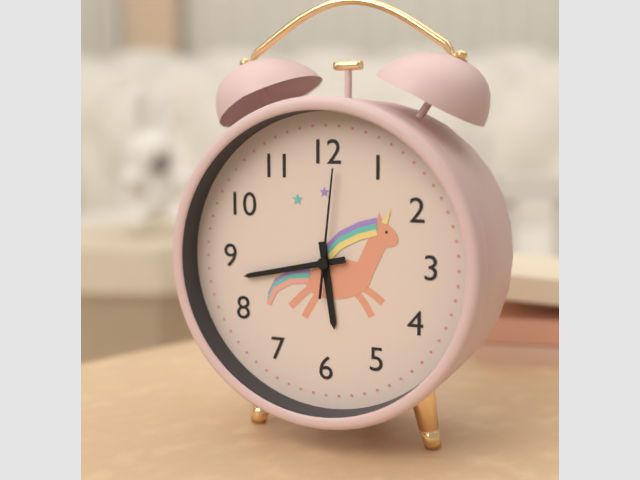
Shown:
5.43.01
